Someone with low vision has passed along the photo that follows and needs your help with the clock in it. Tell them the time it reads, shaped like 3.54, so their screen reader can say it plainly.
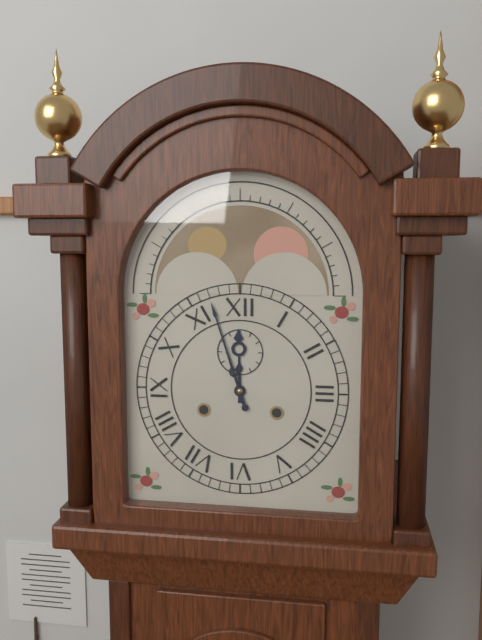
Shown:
11.57
